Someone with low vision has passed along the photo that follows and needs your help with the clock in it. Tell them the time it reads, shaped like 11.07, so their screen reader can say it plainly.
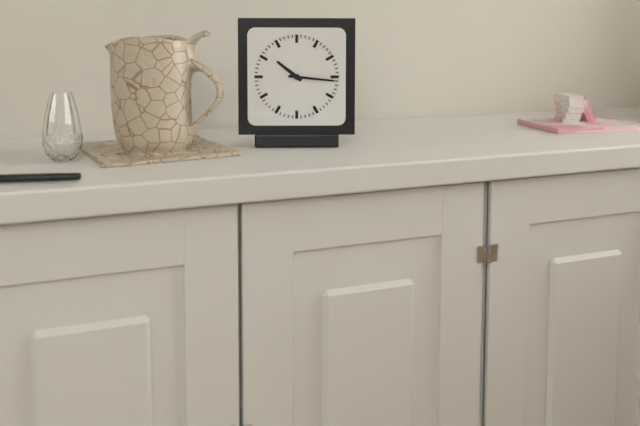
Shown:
10.16
